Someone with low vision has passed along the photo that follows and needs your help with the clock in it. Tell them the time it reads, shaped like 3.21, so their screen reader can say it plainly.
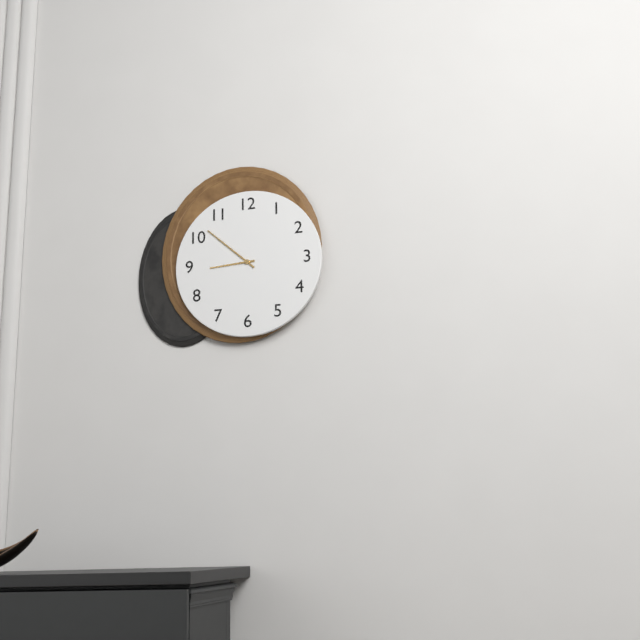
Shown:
8.52
